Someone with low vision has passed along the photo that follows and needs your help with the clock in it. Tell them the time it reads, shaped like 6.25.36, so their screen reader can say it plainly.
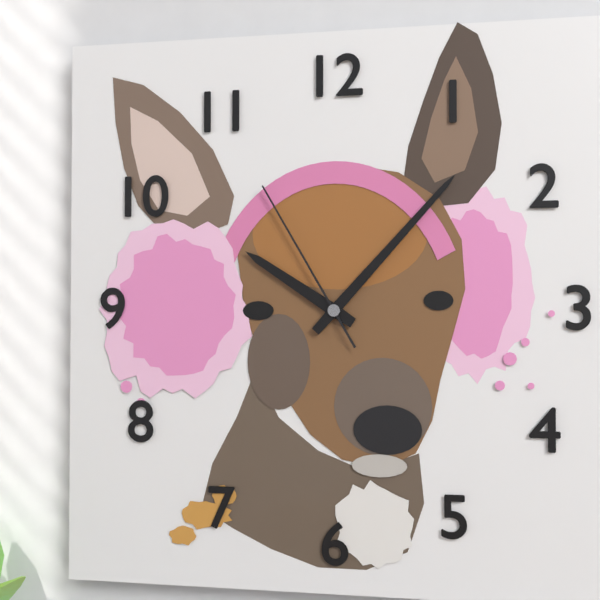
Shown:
10.07.55
